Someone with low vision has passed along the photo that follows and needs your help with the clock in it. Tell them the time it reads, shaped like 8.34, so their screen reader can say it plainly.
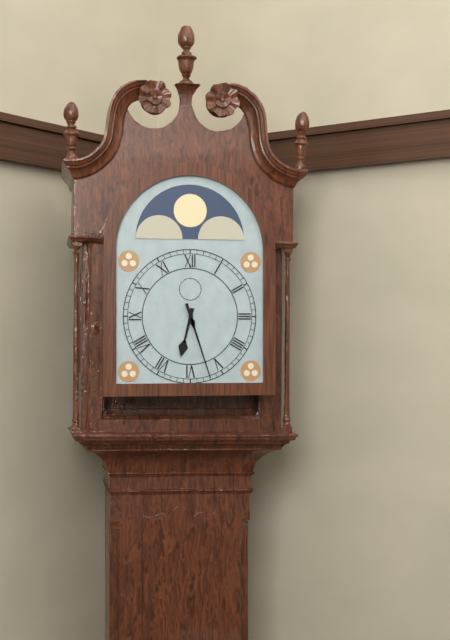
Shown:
6.27
